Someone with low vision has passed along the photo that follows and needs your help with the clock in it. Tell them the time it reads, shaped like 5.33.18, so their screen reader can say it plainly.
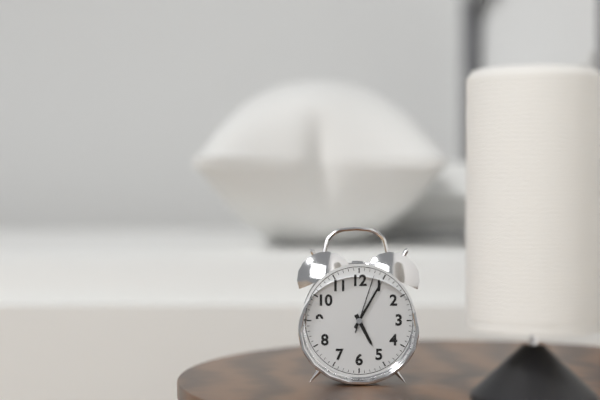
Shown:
5.05.03
